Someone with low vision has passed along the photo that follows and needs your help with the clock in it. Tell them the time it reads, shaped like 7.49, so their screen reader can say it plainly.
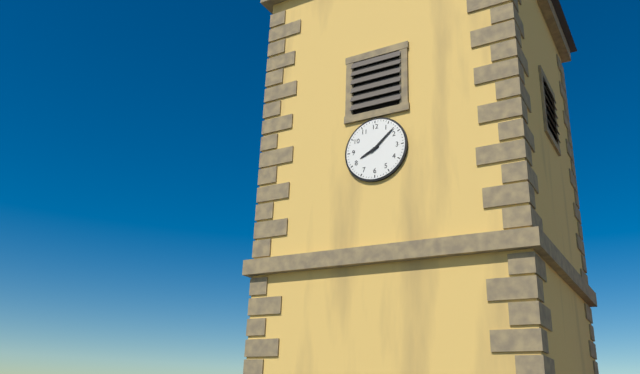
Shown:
8.08
